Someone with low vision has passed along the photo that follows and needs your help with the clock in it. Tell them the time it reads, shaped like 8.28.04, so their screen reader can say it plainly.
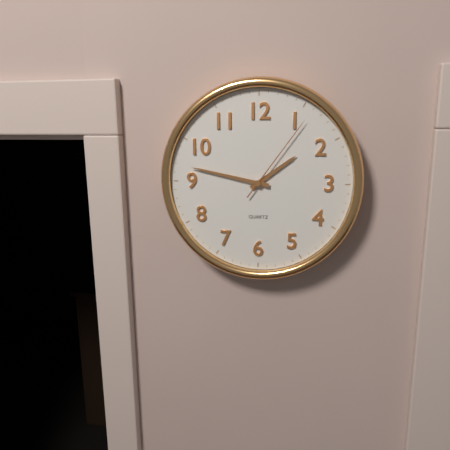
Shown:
1.47.06
